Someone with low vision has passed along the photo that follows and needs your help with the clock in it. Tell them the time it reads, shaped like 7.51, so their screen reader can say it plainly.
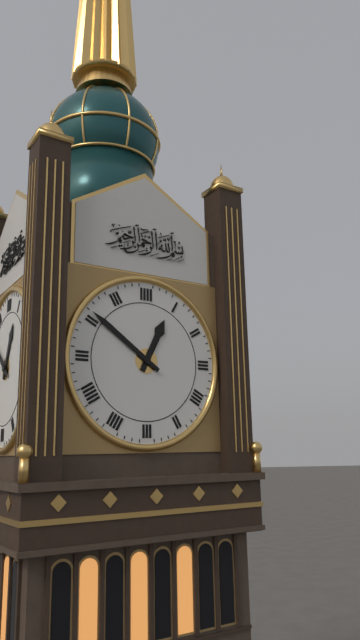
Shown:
12.51
